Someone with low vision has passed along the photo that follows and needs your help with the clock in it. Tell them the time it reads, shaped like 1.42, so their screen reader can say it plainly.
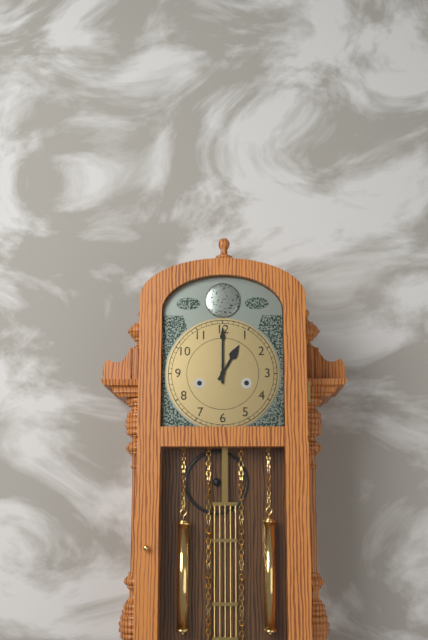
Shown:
1.00
